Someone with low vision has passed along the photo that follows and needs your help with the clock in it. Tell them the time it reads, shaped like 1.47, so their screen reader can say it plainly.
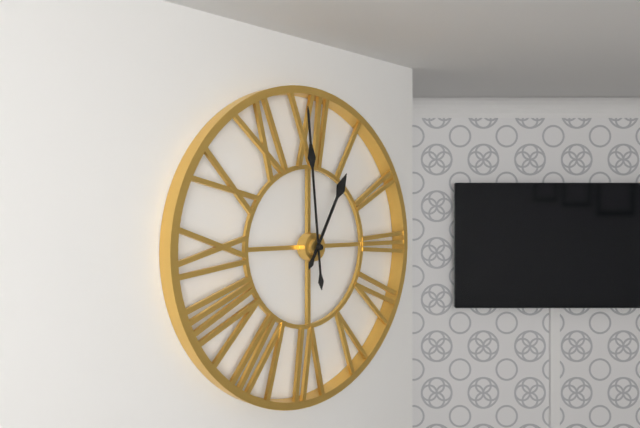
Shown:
12.59
